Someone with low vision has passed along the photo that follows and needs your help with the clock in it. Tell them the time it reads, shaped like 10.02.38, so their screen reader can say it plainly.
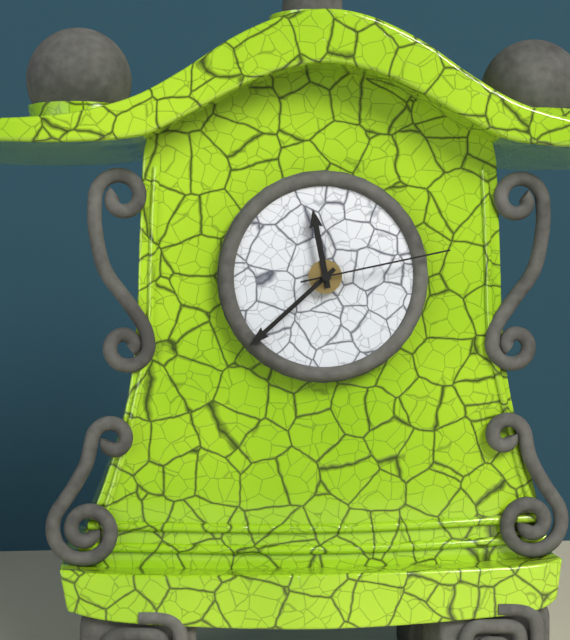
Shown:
11.38.13
